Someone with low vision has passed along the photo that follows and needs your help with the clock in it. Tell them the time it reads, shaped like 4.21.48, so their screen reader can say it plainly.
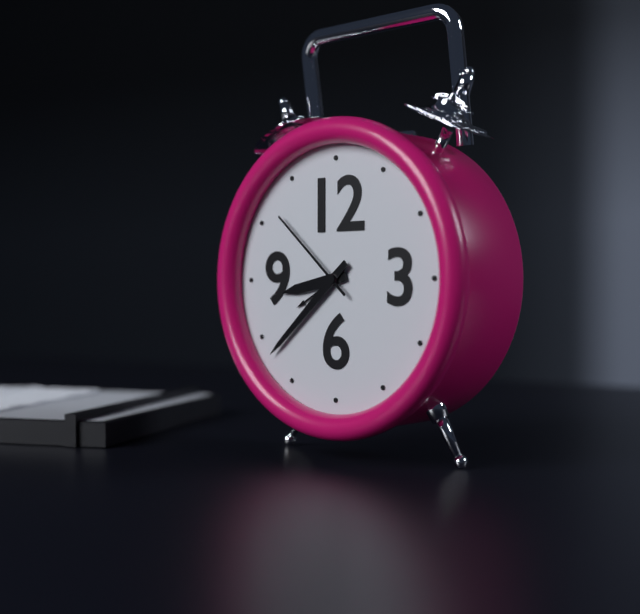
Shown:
8.38.52
